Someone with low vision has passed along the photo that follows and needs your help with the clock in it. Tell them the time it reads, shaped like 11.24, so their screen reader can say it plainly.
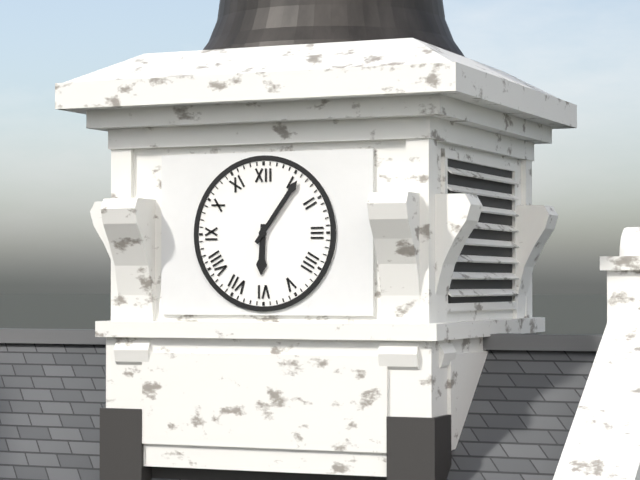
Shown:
6.06
